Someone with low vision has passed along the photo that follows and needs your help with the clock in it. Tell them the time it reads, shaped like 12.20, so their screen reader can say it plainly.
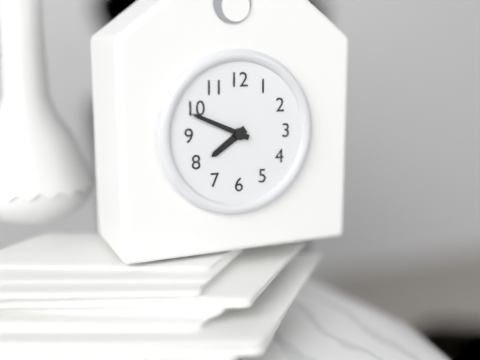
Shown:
7.49
